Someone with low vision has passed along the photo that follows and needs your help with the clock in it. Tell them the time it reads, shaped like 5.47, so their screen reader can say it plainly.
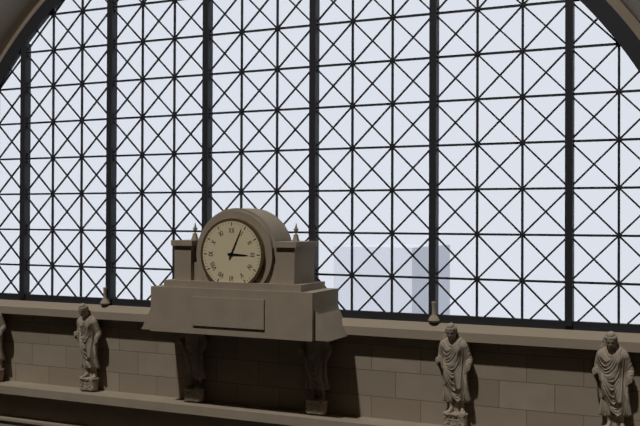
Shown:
3.04
